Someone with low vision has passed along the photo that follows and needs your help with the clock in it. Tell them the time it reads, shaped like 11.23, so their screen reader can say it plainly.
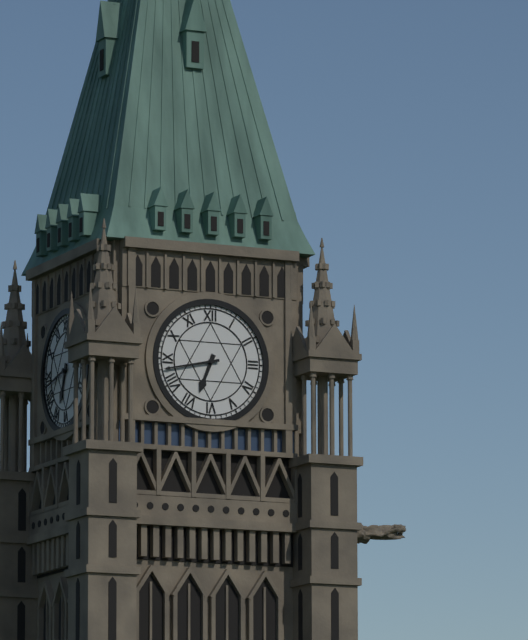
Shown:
6.43
